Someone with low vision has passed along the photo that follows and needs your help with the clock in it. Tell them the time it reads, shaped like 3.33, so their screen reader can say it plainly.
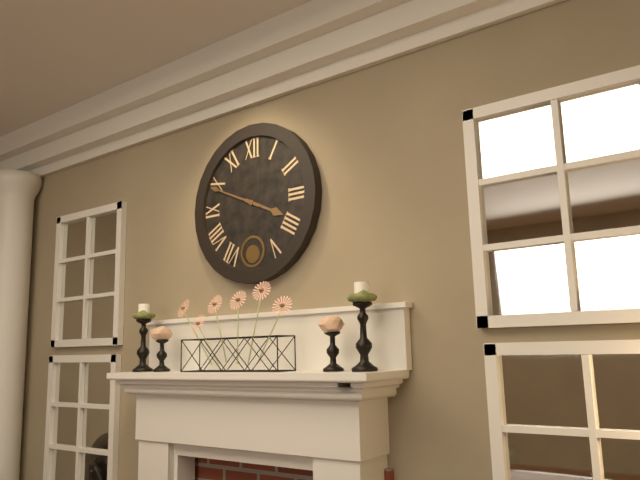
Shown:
3.49
